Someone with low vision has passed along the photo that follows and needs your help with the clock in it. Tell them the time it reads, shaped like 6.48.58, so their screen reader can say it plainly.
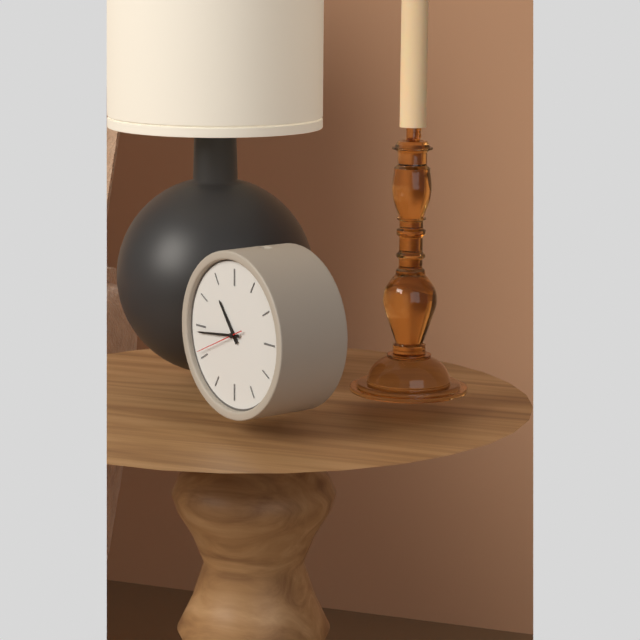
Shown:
10.44.41
